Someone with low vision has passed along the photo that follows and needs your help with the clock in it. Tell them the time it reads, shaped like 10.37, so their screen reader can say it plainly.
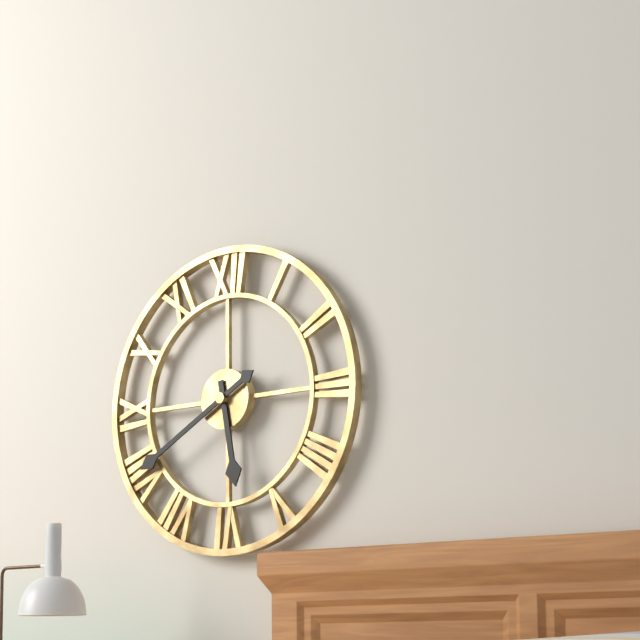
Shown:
5.40
